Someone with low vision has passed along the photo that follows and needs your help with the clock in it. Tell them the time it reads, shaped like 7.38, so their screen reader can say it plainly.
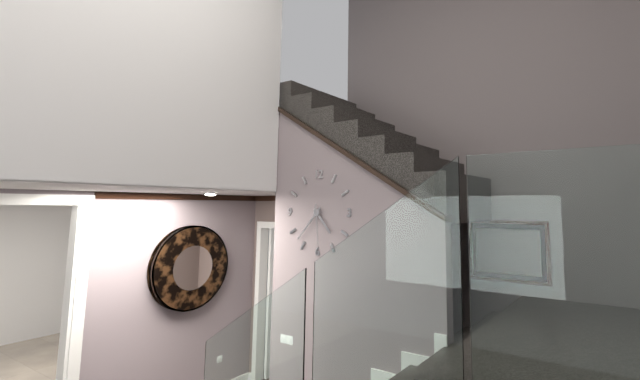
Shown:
4.37
